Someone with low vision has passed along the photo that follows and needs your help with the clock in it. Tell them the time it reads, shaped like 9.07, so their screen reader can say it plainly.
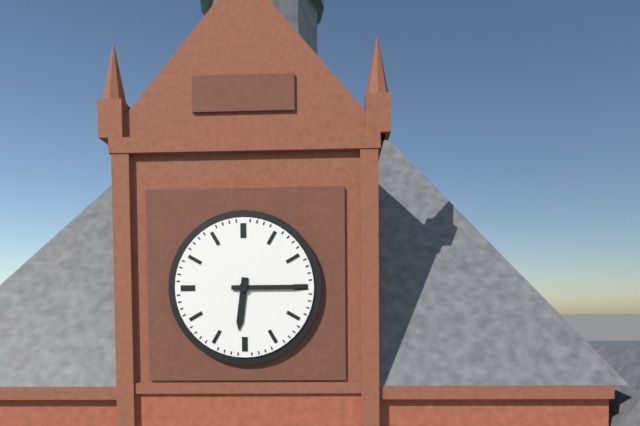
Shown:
6.15
